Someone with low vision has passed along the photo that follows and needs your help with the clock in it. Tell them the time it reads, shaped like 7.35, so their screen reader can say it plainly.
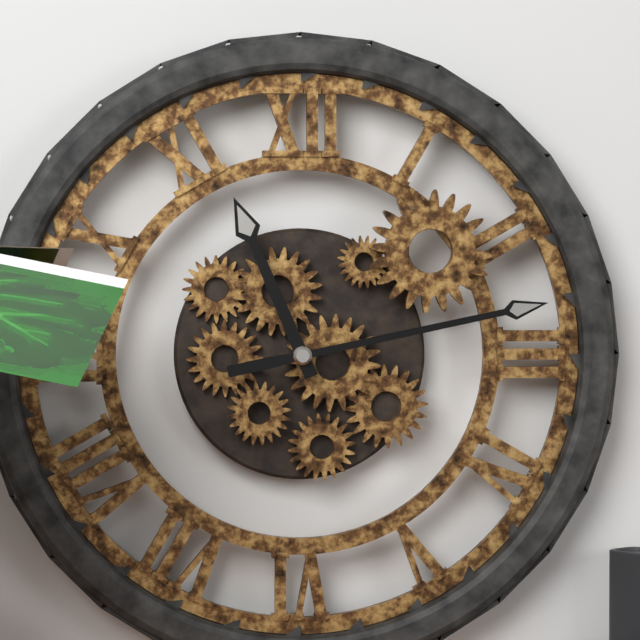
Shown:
11.13
